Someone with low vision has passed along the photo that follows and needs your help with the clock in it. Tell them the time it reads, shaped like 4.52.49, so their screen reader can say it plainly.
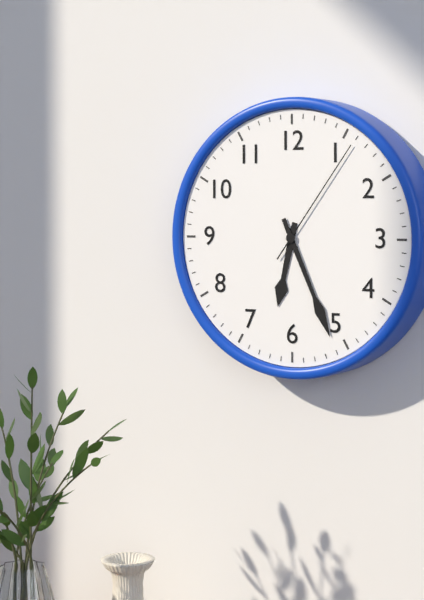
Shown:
6.26.06
